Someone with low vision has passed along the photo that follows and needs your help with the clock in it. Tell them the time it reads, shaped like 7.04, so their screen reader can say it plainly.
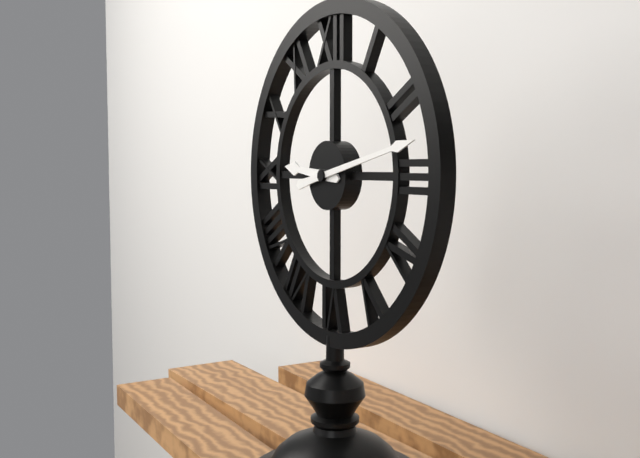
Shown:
9.13
